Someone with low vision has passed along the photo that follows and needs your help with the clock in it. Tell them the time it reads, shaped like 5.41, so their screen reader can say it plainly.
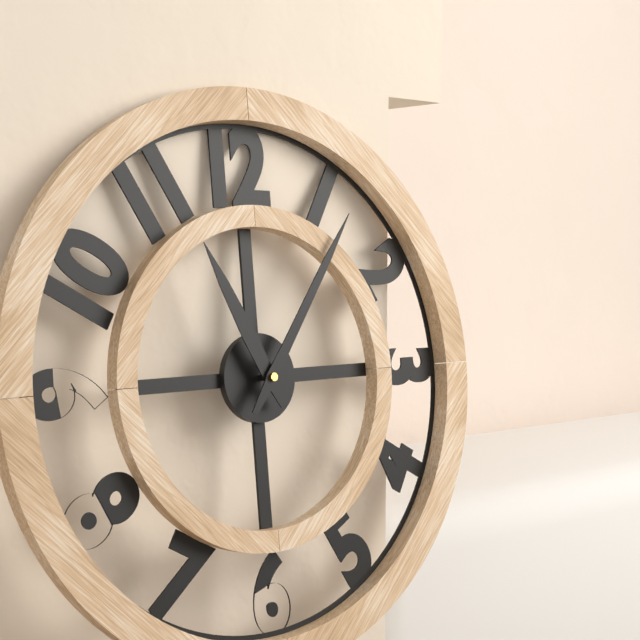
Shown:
11.06
